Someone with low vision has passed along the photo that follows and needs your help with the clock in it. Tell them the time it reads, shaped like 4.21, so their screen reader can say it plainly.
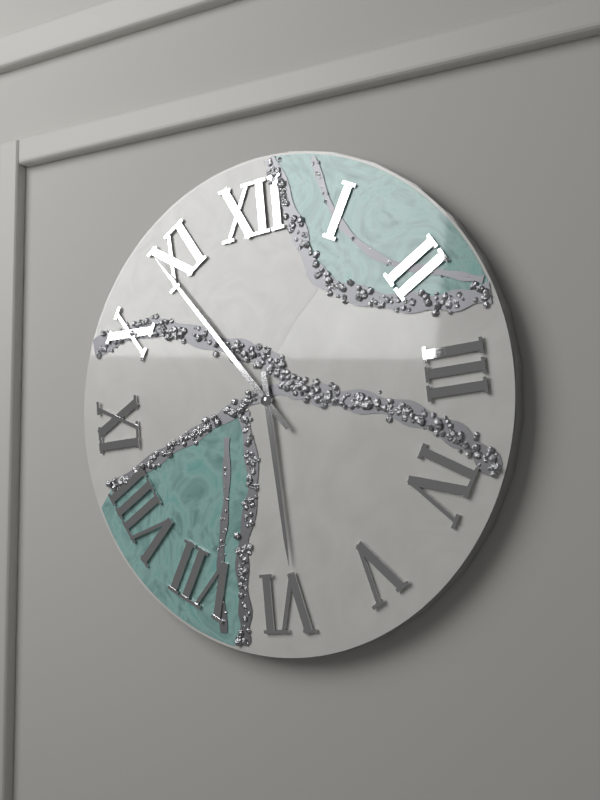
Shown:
5.54
